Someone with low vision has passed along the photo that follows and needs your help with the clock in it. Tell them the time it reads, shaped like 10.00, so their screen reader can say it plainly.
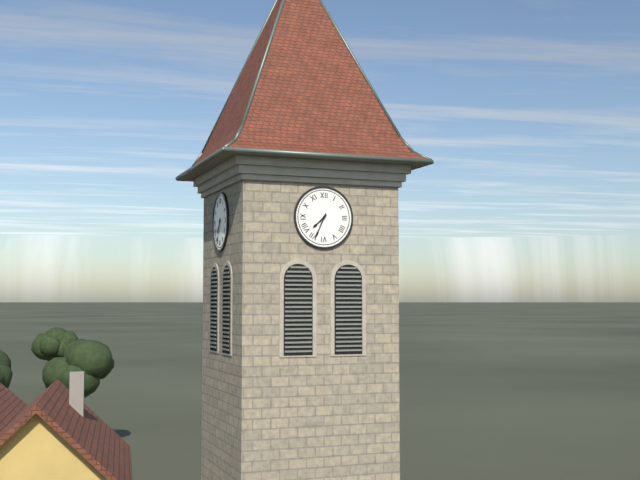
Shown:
7.34
